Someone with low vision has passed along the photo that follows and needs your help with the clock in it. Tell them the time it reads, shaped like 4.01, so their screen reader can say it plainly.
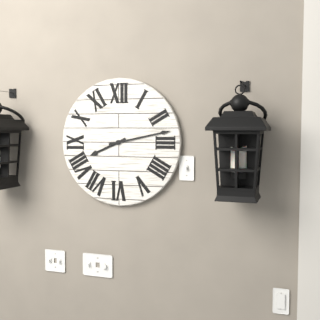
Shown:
8.13
